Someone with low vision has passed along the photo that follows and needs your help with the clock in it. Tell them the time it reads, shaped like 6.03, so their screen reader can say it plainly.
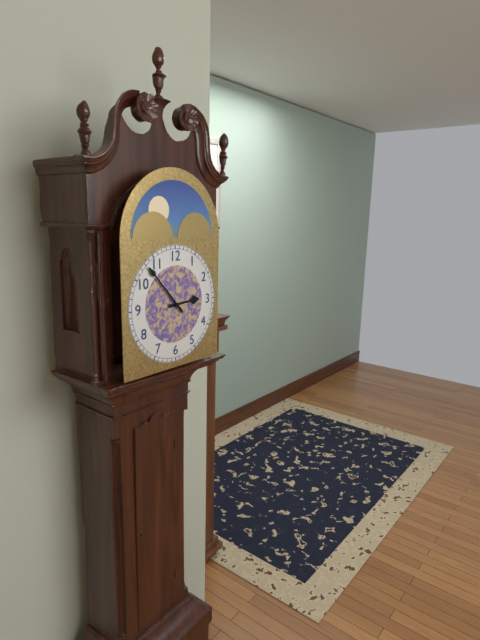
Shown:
2.53
